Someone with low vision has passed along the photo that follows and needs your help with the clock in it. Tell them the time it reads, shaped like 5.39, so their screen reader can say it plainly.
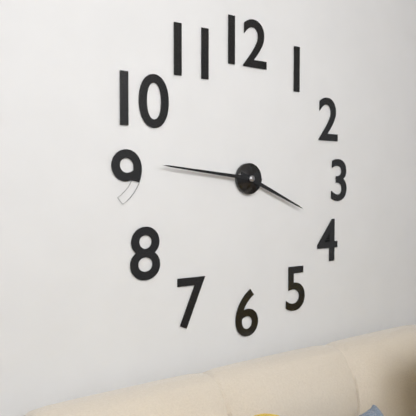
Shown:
3.46
